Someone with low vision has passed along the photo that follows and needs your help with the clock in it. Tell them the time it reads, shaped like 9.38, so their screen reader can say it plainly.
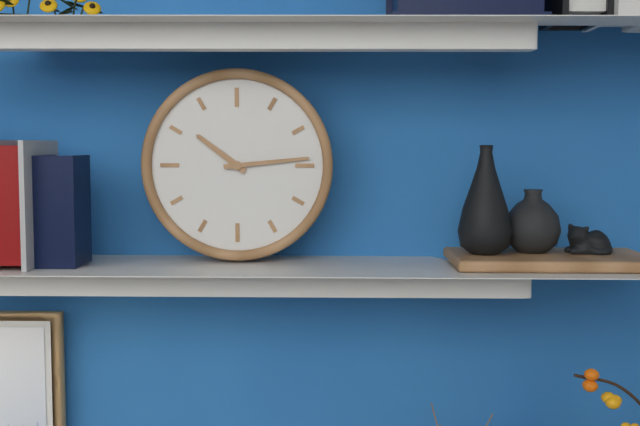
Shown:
10.14
